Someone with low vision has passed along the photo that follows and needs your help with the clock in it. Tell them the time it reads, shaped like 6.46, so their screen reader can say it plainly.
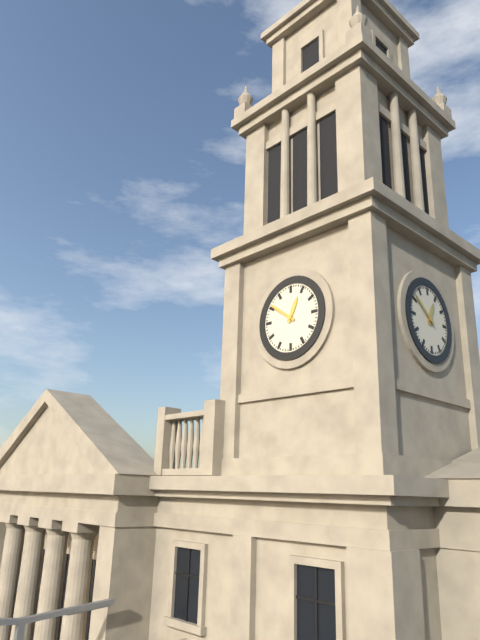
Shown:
12.51
